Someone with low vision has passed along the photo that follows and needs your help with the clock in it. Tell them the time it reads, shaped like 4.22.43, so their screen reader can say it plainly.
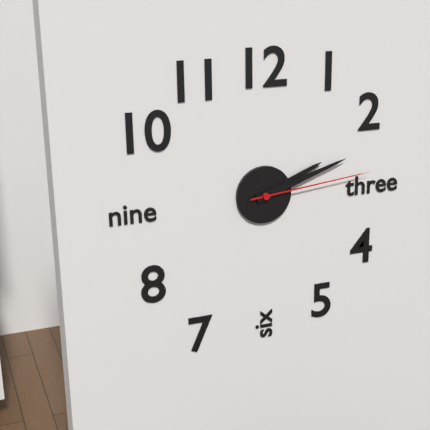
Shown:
2.12.14
